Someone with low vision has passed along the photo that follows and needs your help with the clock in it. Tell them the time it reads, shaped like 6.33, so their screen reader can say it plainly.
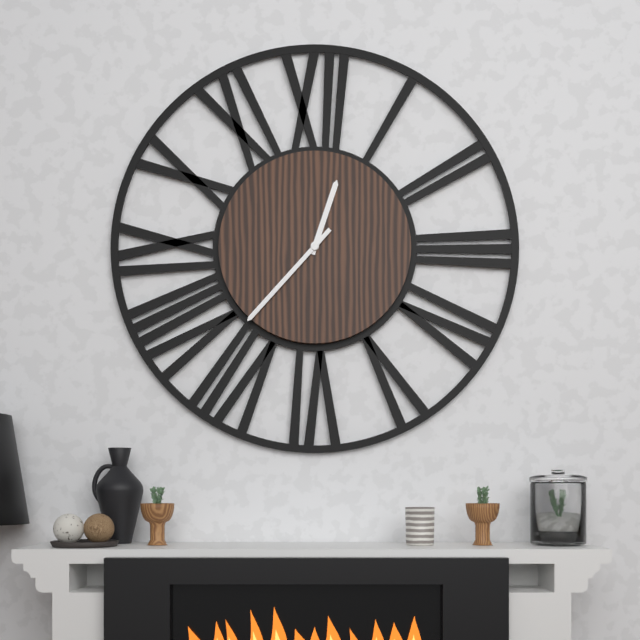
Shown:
12.37
